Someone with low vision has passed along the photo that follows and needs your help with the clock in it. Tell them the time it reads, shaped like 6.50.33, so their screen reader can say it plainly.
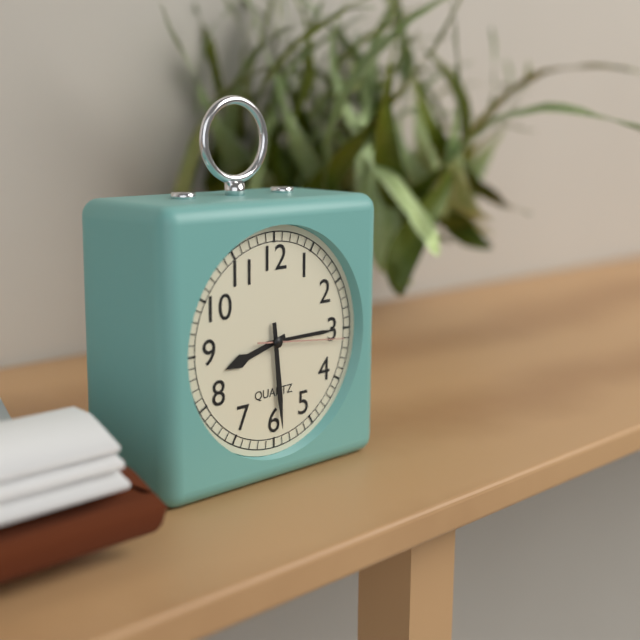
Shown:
8.29.16
